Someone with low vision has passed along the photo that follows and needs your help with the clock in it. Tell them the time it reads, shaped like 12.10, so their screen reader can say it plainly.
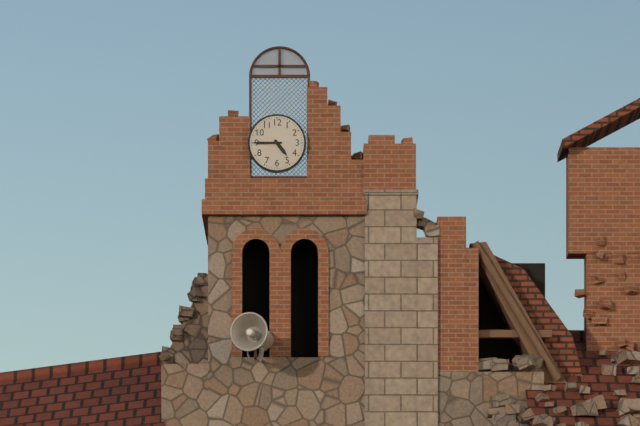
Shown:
4.45
